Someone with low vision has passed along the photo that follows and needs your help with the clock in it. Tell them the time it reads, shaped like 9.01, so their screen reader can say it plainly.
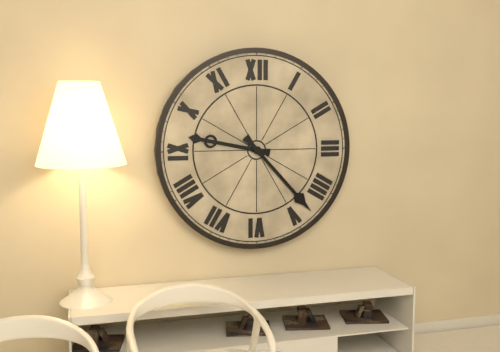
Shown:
9.23
